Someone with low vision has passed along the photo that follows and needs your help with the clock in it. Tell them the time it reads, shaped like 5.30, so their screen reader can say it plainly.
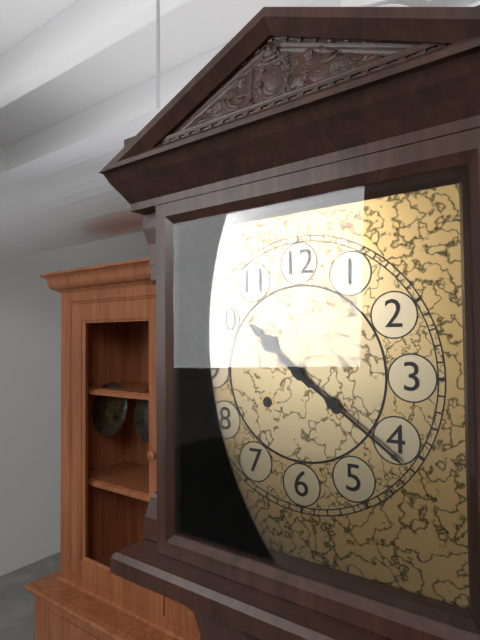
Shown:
10.21
